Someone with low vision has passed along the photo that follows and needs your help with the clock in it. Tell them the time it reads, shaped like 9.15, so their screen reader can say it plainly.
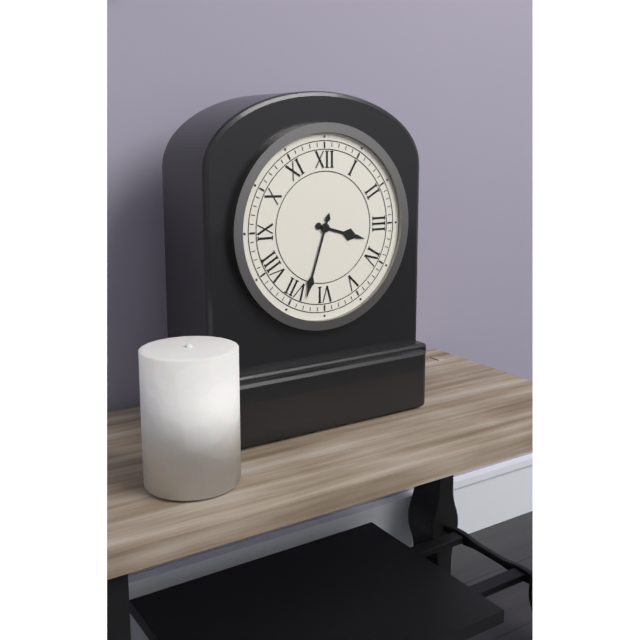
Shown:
3.33
